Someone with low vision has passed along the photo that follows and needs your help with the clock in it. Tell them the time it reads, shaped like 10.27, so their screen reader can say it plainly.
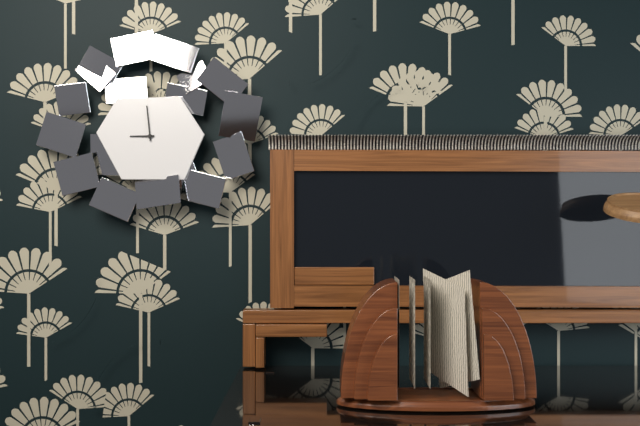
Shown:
8.59
